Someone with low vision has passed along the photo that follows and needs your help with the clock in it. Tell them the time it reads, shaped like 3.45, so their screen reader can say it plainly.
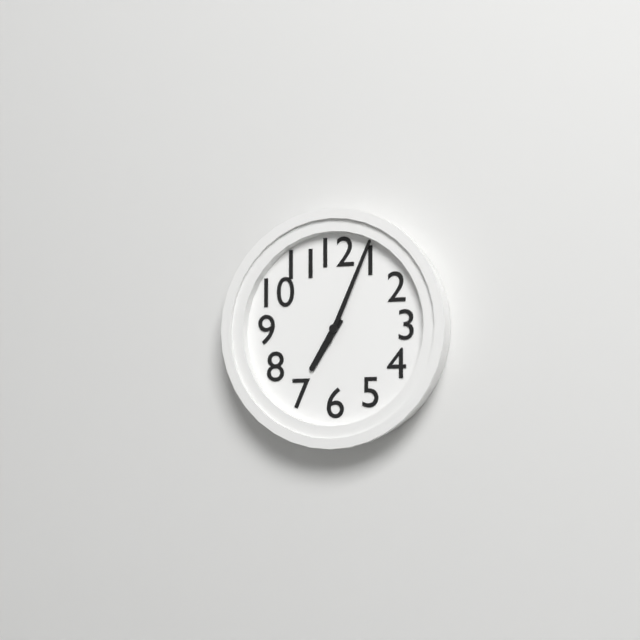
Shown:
7.04
